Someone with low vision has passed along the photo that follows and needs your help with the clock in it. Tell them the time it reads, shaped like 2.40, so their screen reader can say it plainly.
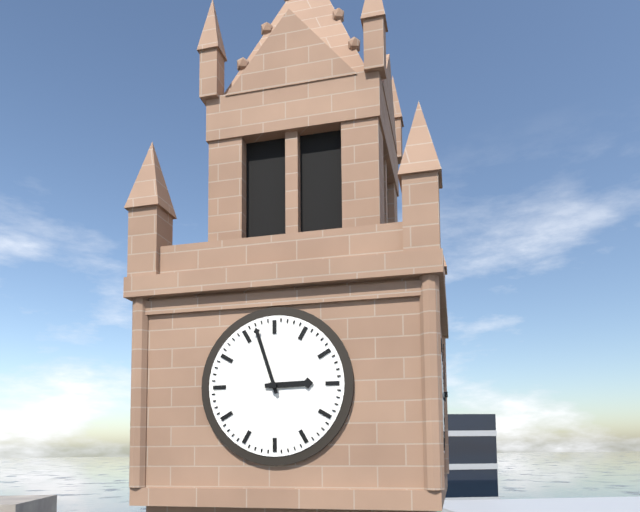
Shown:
2.57
